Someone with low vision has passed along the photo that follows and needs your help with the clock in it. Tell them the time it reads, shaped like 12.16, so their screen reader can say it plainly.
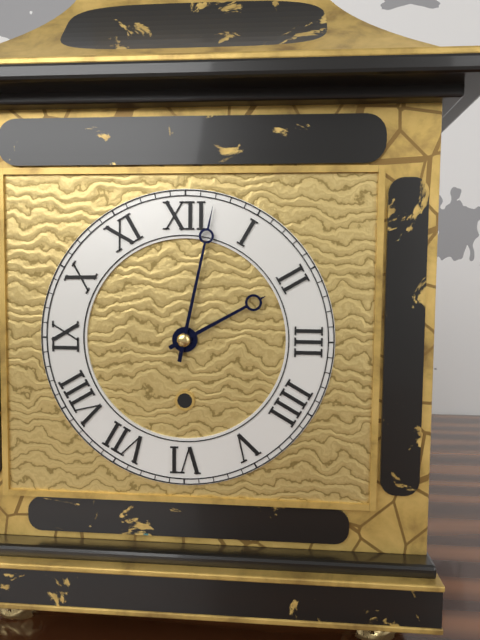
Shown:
2.02
